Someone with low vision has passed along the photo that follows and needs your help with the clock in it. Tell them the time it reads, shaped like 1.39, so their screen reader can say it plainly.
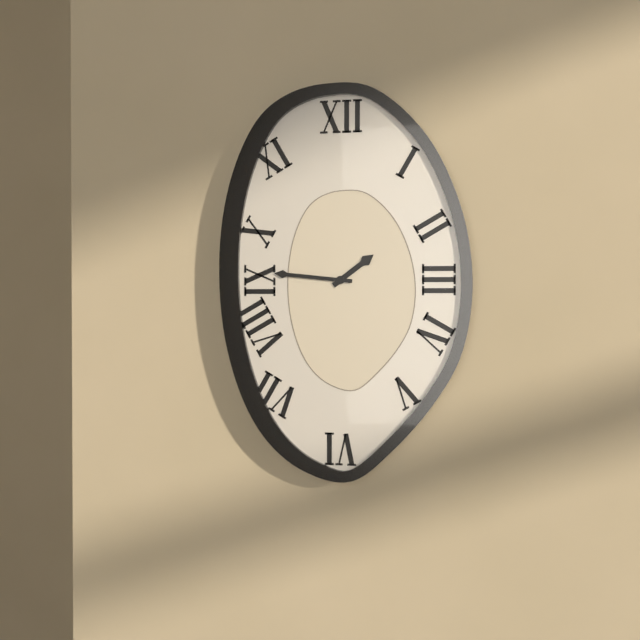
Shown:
1.46
